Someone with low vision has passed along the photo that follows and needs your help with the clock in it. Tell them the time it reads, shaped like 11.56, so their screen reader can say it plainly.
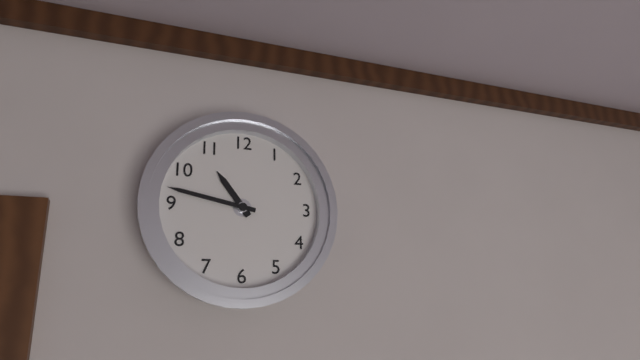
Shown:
10.47
